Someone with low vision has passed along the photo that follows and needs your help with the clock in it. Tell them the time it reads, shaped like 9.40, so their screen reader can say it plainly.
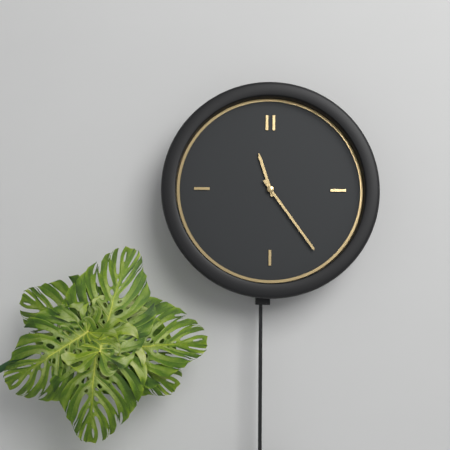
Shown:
11.24
